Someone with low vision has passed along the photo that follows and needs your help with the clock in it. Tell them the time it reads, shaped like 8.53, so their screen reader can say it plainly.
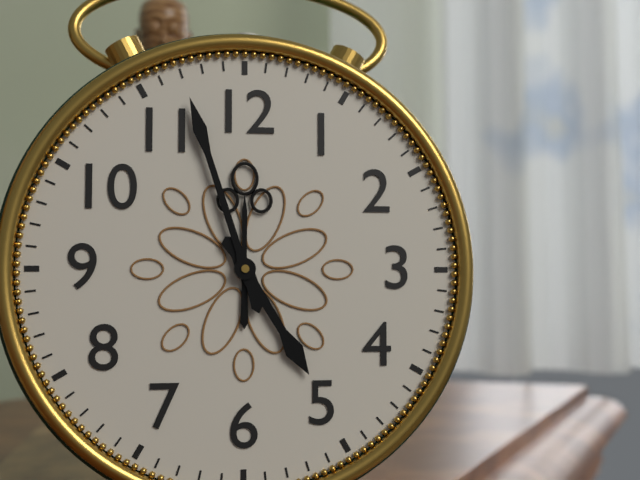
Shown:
4.57
